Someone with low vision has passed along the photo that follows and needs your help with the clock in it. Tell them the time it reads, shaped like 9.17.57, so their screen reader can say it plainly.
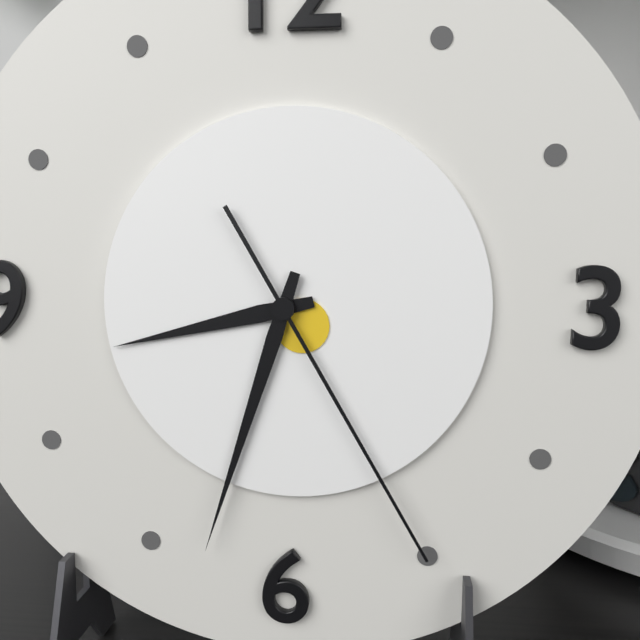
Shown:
8.33.25
